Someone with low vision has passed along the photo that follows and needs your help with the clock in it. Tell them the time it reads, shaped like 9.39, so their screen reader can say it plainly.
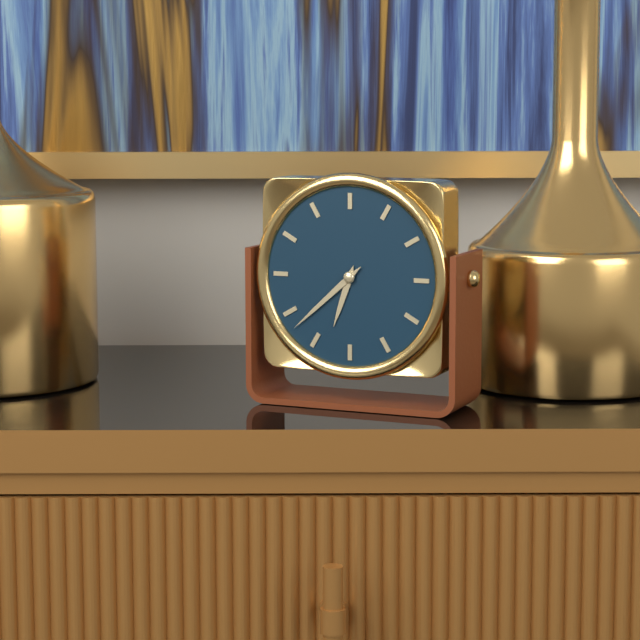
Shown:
6.38
